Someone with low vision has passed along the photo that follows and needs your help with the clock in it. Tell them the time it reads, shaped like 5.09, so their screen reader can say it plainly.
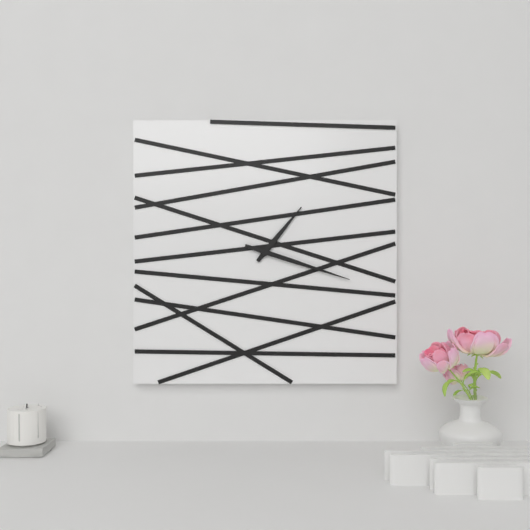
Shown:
1.18
